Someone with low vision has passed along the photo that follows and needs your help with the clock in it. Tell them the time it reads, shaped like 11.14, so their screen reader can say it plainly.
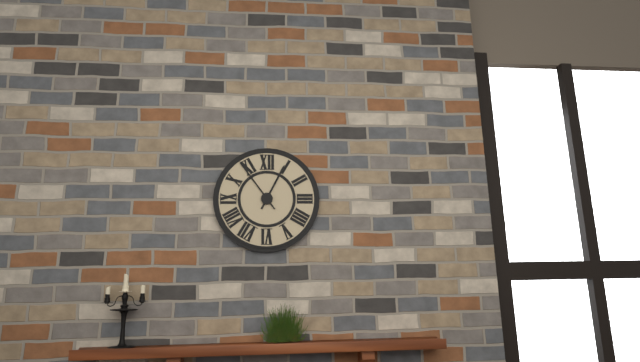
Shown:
12.54
